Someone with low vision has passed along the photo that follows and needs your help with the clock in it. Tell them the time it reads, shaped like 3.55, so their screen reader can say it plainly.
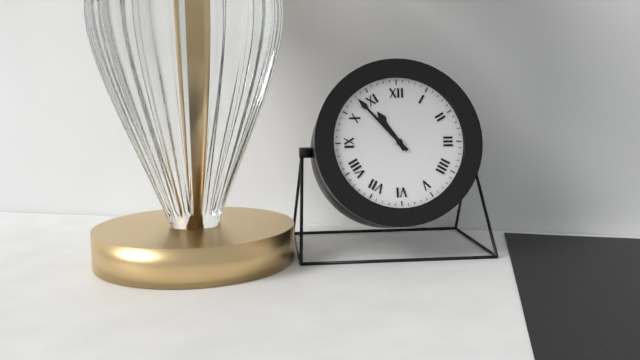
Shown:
10.53
